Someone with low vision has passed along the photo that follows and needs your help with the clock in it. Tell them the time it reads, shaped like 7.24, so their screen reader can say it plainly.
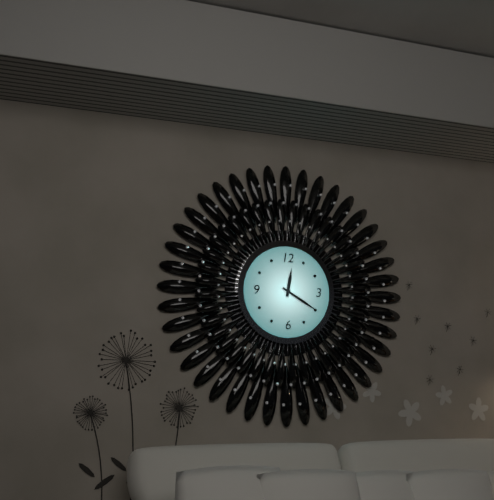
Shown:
12.20
